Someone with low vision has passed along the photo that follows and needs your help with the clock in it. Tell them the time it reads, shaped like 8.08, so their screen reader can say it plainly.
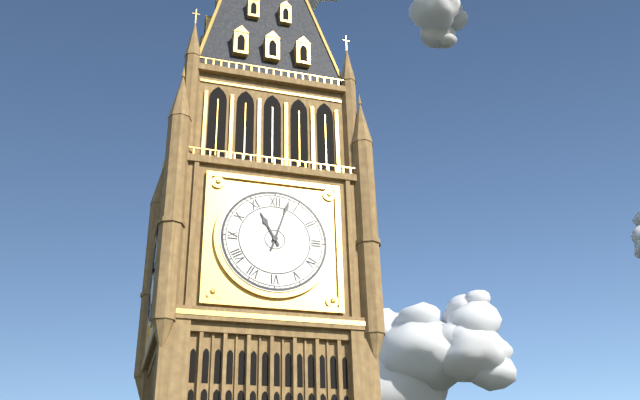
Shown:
11.03
